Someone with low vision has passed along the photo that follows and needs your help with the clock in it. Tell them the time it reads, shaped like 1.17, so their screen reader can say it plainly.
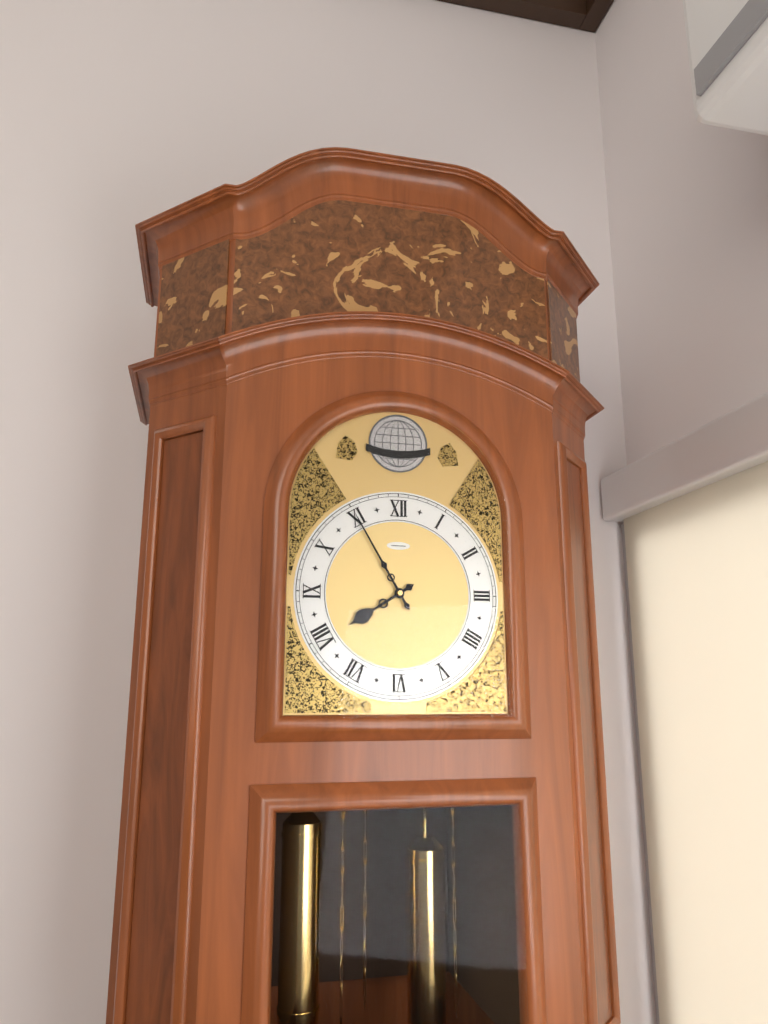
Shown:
7.55
